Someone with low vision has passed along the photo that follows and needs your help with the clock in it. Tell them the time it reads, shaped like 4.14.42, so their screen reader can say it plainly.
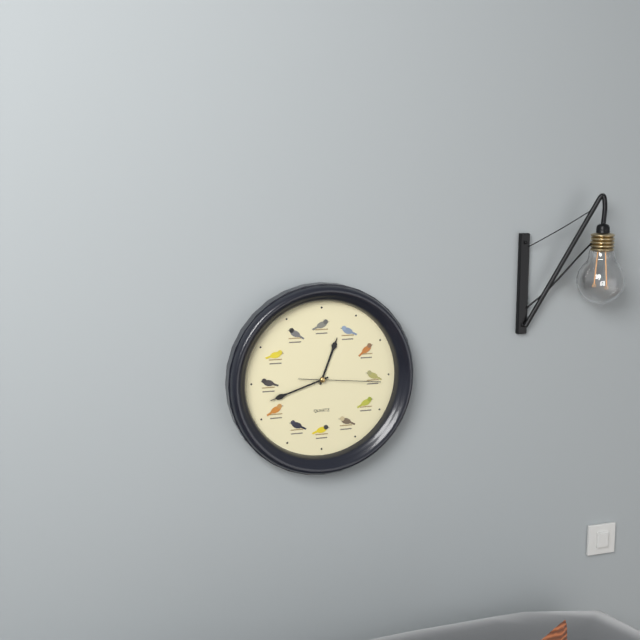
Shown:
12.42.16
